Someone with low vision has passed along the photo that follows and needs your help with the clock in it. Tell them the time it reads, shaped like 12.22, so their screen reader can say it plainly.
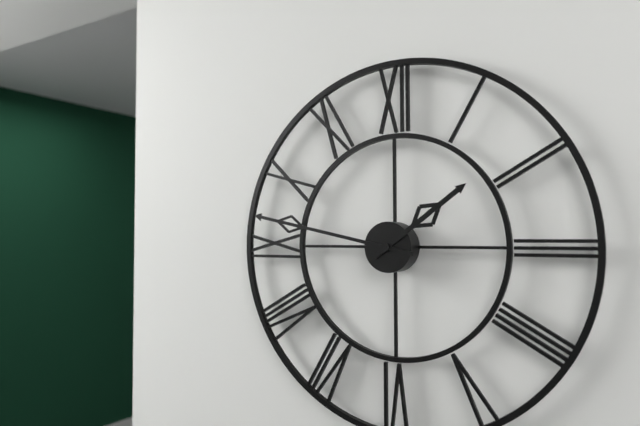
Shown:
1.47
